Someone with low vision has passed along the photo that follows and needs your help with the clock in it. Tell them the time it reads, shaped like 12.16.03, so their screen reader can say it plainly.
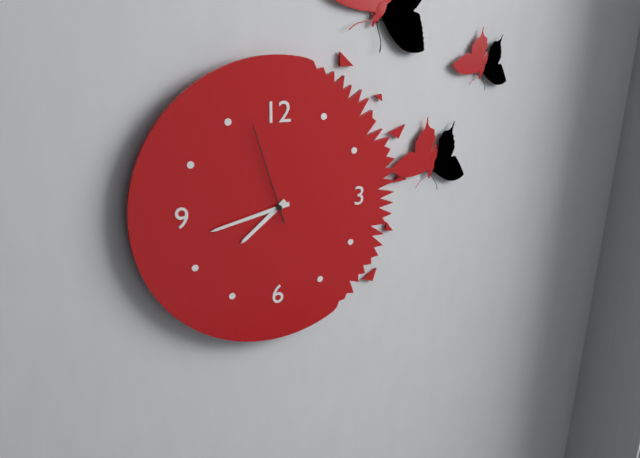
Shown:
7.43.57
